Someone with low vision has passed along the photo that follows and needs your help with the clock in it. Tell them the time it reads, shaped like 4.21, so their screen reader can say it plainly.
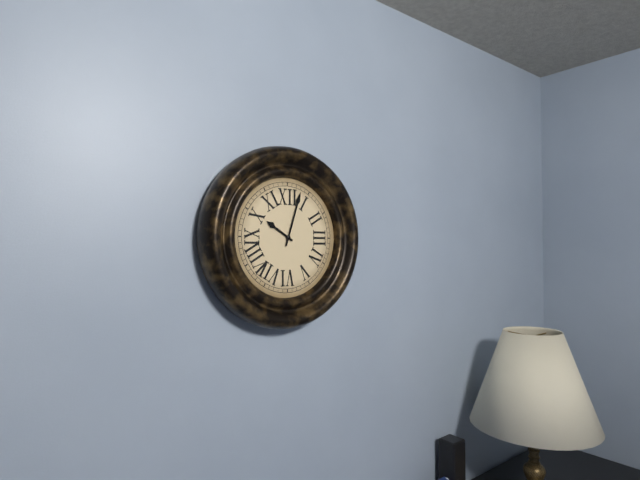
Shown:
10.03
